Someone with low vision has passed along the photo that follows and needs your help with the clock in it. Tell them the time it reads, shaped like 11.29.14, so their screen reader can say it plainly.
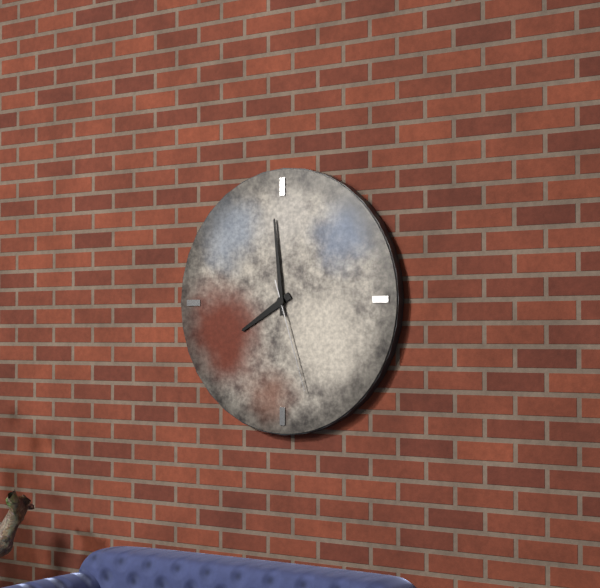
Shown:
7.59.27
